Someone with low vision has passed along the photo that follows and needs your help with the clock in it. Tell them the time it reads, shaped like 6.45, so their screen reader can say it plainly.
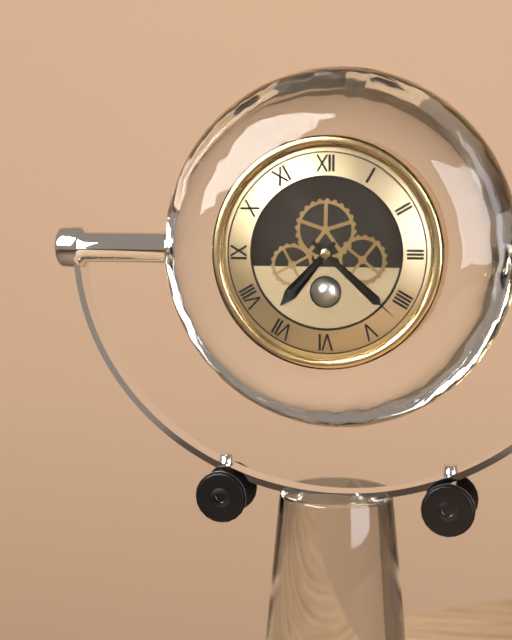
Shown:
7.22
